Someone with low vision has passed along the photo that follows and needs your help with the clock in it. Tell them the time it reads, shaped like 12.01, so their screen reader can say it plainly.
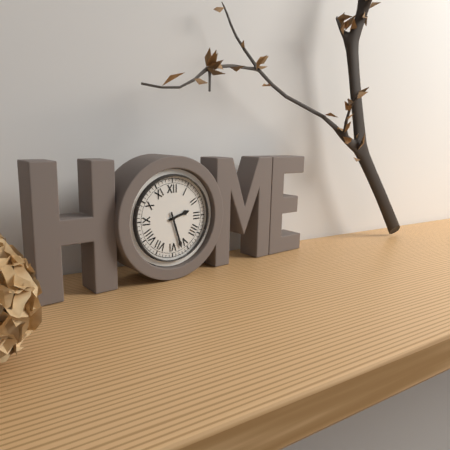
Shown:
2.27
